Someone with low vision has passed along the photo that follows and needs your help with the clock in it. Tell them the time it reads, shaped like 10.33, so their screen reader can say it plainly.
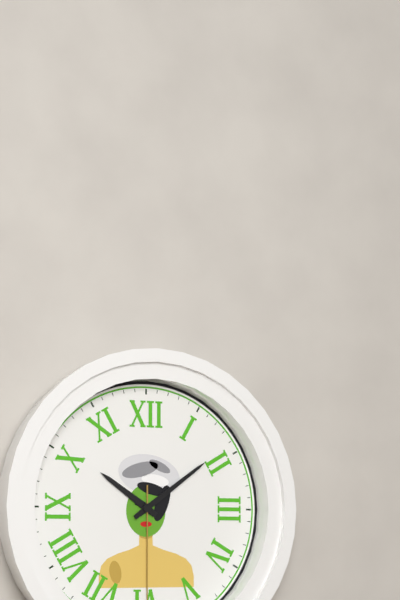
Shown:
10.09
